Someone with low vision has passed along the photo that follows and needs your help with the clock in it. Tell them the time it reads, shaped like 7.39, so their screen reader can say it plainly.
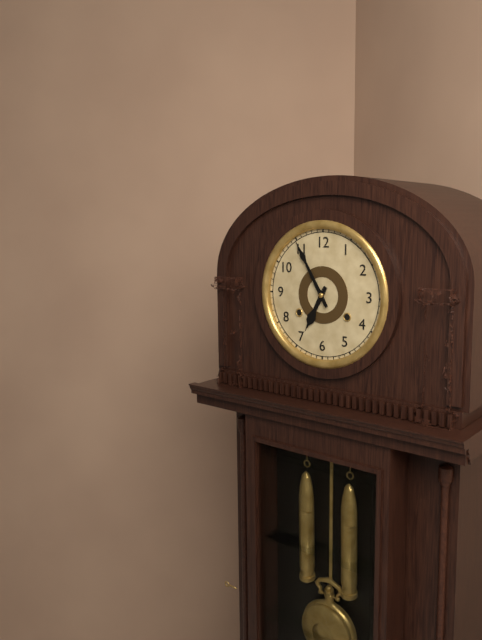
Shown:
6.55
